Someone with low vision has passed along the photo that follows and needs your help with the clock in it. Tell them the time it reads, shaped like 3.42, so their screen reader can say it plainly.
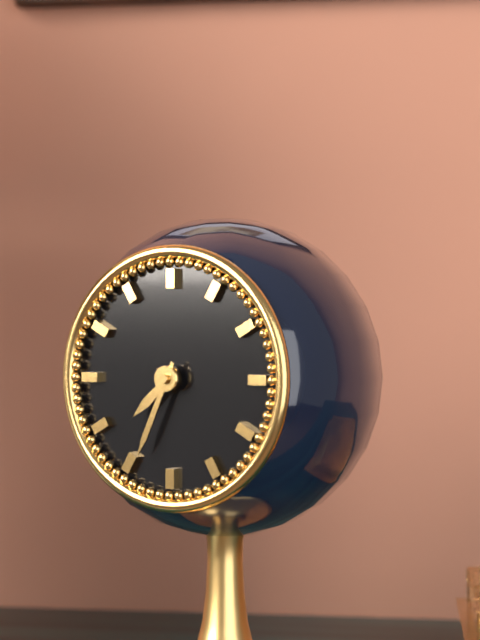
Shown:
7.34
